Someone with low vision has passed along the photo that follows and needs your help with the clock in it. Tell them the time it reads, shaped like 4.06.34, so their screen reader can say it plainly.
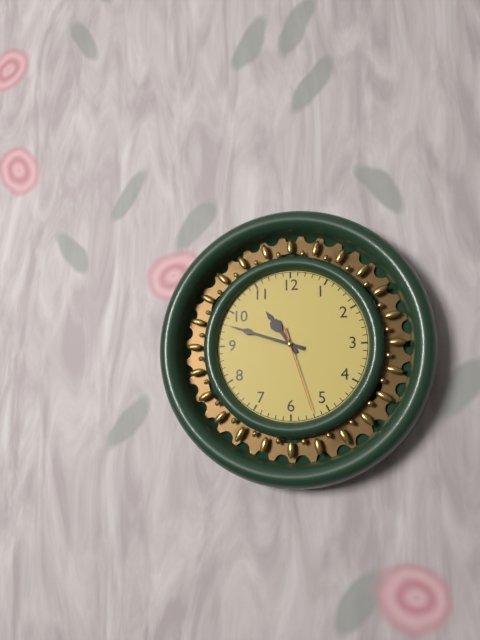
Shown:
10.48.27
